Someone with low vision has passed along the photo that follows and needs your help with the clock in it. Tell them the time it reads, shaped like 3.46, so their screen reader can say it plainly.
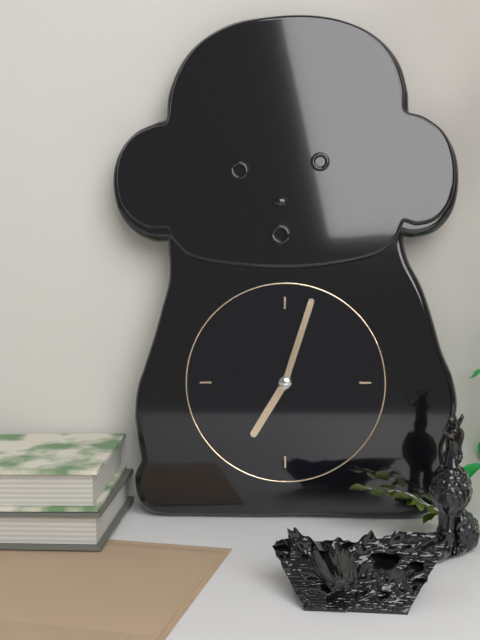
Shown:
7.03
